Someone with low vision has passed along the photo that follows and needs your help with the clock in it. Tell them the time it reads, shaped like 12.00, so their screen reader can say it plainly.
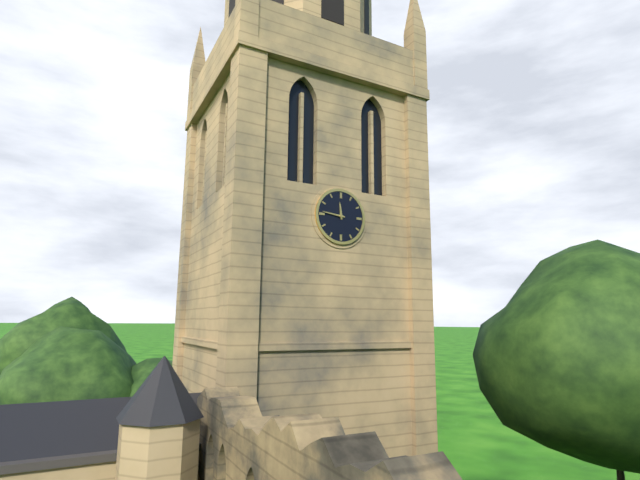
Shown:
11.46
